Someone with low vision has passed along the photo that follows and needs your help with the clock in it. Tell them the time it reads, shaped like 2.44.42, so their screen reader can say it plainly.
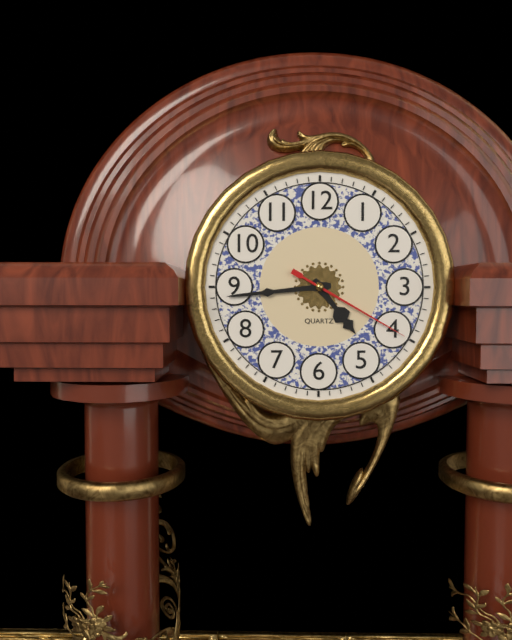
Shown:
4.44.20
